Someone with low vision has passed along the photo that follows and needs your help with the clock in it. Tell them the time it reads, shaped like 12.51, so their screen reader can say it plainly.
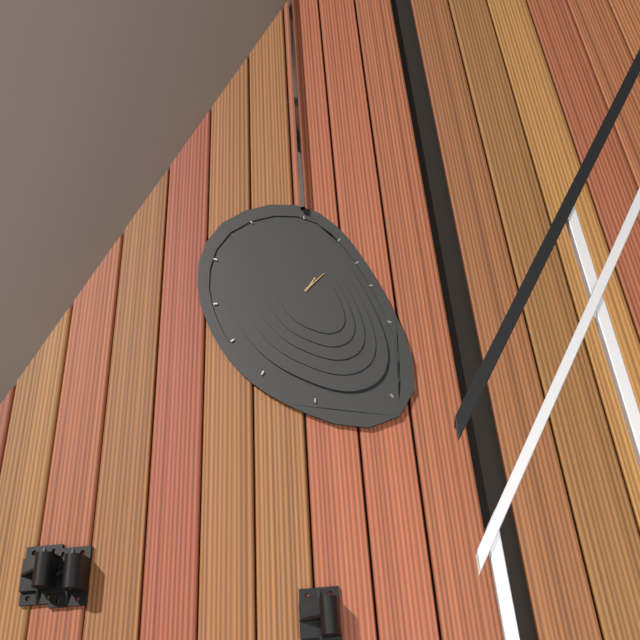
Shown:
1.08
